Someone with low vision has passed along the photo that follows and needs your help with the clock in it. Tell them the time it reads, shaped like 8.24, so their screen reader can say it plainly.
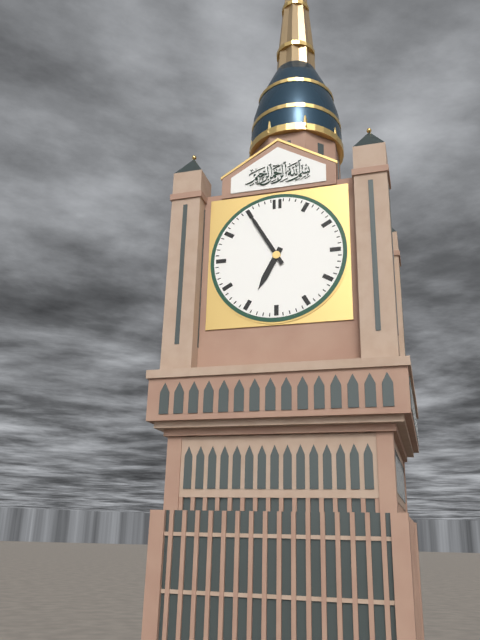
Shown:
6.55
